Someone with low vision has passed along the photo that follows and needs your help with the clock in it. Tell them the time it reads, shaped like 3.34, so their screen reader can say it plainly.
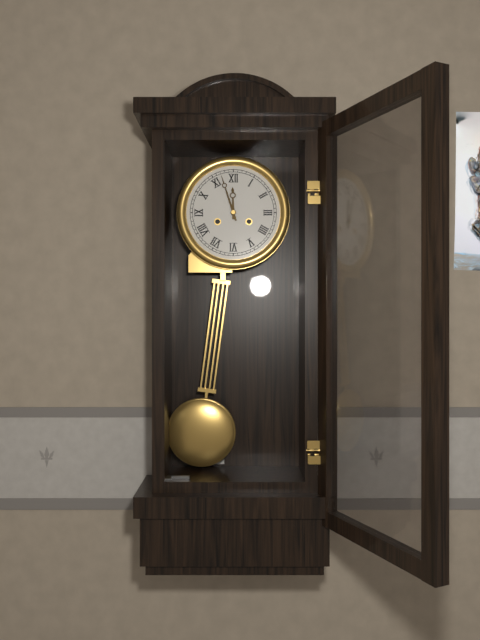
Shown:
11.57
